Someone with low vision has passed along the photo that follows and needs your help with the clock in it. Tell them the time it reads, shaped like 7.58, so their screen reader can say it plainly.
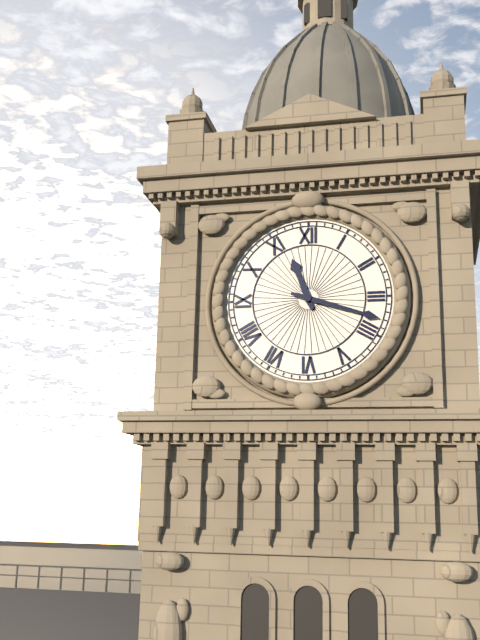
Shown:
11.18
